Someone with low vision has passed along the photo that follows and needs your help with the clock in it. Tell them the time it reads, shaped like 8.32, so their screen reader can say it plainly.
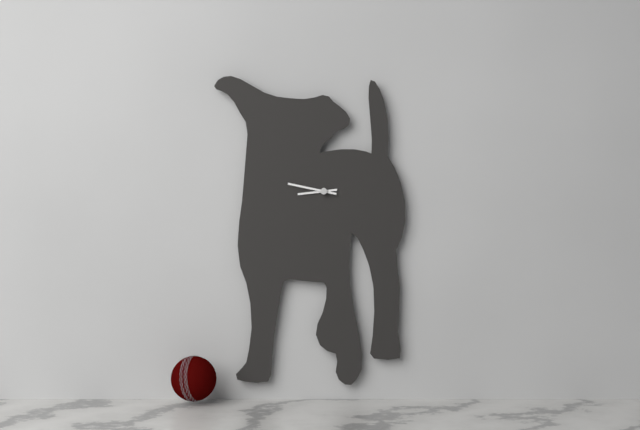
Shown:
8.47
